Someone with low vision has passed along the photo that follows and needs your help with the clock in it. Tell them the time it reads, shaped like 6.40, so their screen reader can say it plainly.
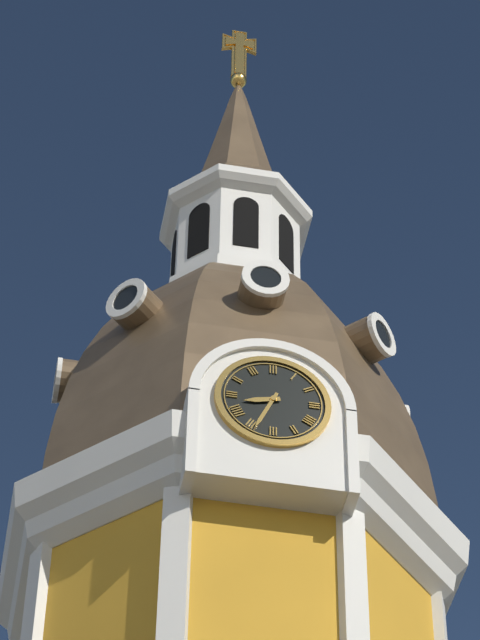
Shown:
8.34
